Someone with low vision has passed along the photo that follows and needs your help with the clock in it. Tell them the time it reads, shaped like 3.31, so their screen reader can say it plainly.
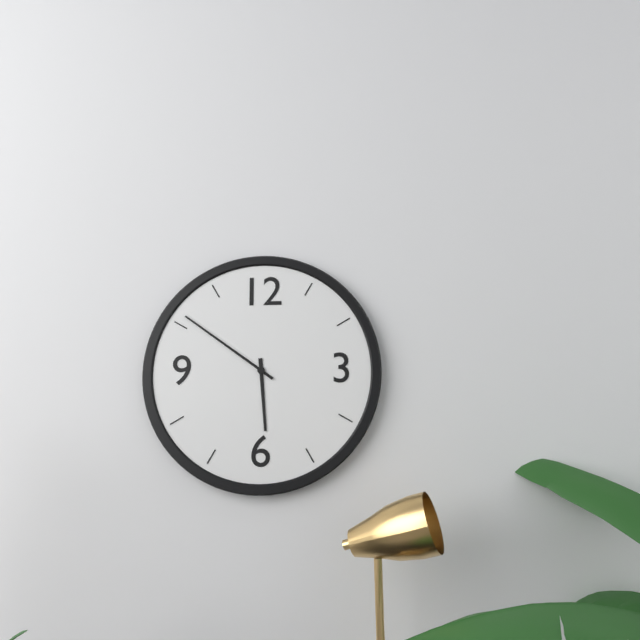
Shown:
5.51
